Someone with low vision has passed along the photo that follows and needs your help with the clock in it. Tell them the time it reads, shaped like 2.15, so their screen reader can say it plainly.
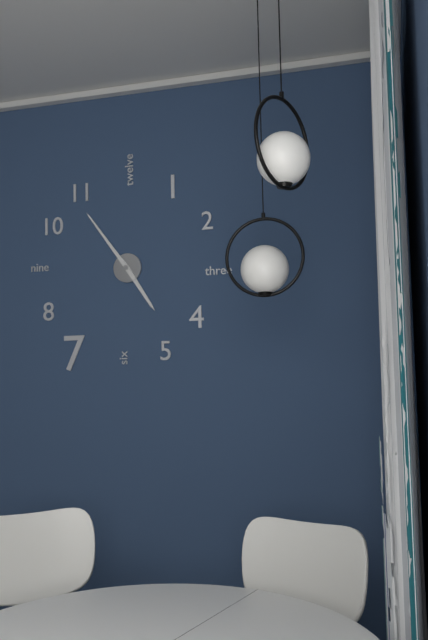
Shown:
4.54
